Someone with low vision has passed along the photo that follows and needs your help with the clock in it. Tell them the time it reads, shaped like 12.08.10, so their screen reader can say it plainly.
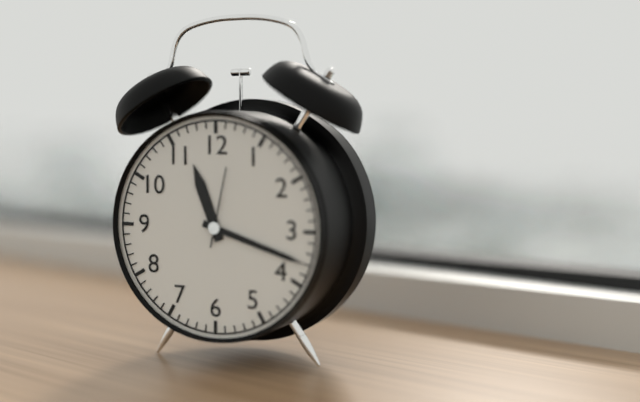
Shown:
11.18.02
